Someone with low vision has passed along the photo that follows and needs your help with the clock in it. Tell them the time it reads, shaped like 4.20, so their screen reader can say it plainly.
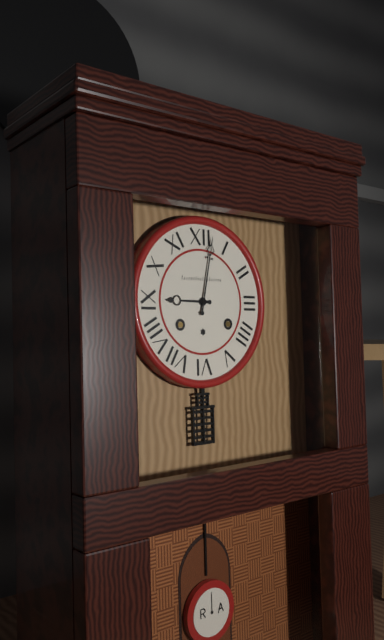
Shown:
9.02
